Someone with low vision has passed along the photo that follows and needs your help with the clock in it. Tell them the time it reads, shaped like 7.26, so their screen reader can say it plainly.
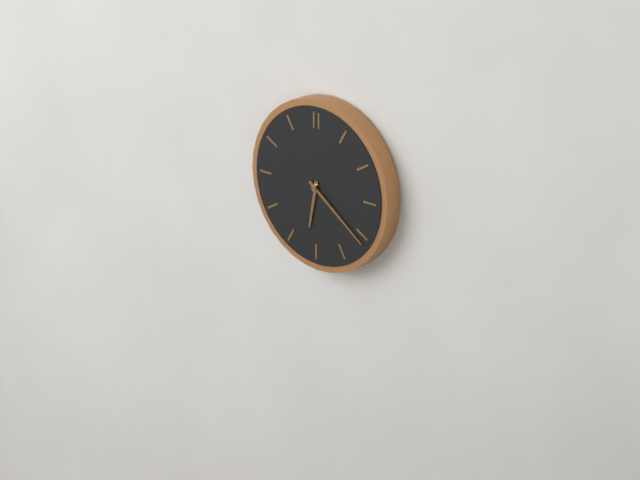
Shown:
6.21
